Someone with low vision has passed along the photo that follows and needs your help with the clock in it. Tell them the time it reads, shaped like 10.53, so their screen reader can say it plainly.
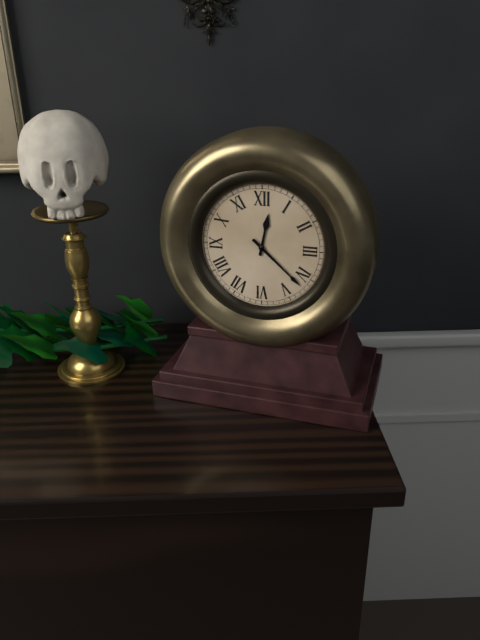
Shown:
12.22
